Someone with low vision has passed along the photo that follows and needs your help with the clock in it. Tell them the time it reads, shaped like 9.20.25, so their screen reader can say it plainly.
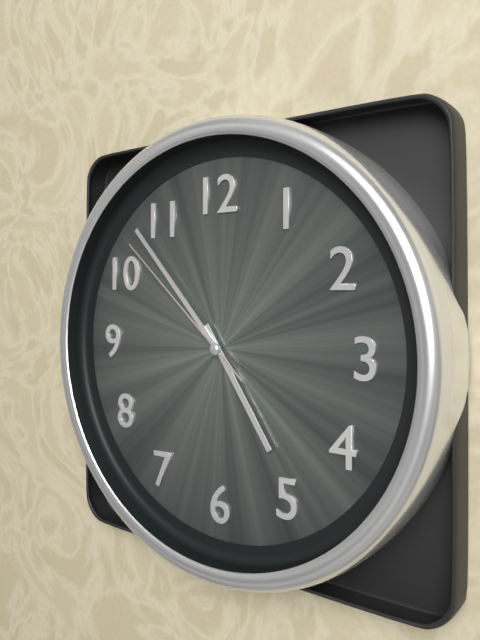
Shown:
4.53.52
